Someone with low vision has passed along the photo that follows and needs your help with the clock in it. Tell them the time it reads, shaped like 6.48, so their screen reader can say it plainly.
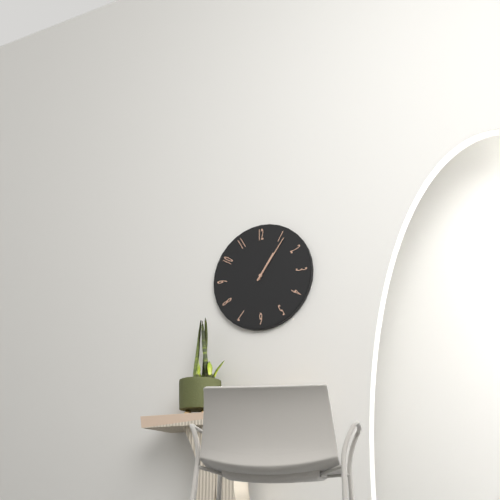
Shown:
1.06
